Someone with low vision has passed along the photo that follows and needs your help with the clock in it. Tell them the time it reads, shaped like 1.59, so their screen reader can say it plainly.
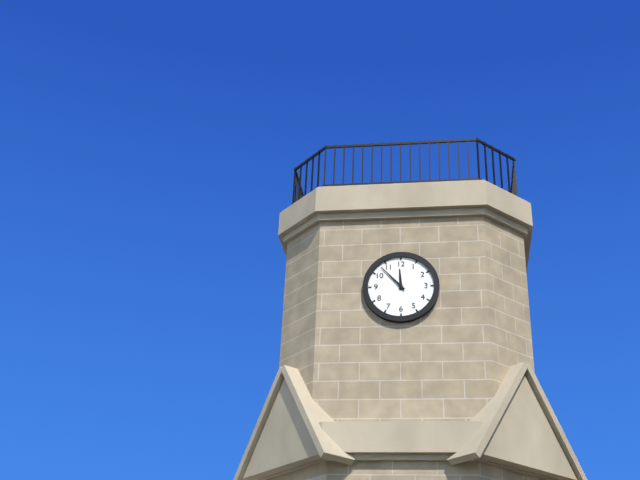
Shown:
11.53
